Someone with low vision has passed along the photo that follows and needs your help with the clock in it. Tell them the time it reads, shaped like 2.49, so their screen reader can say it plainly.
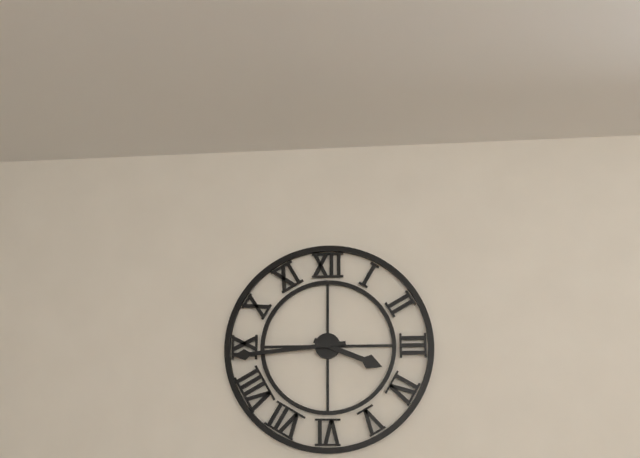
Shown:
3.44
